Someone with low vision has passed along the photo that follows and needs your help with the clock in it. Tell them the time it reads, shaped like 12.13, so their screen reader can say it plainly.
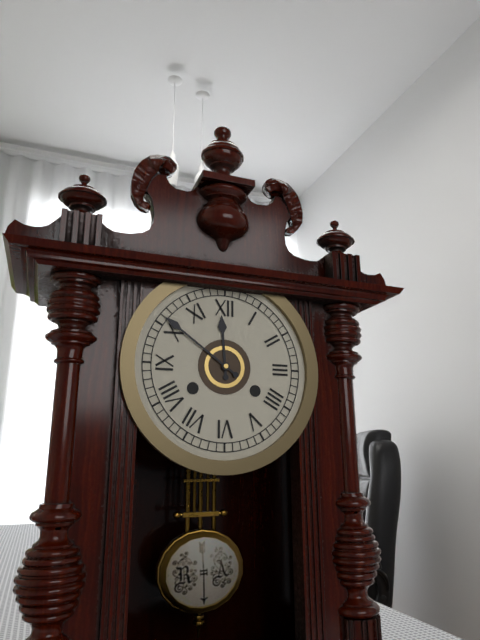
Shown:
11.51
